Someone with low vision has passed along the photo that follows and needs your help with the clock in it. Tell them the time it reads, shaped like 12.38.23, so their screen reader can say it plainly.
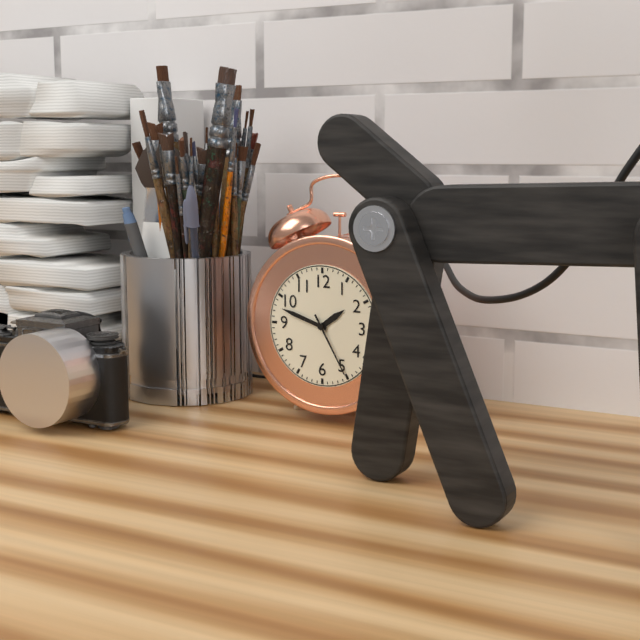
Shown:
1.48.25
